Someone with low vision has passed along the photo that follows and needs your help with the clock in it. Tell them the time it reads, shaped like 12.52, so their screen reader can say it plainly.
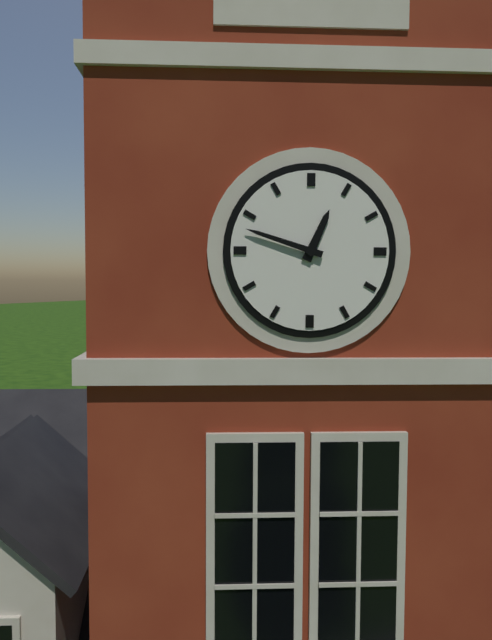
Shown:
12.48
